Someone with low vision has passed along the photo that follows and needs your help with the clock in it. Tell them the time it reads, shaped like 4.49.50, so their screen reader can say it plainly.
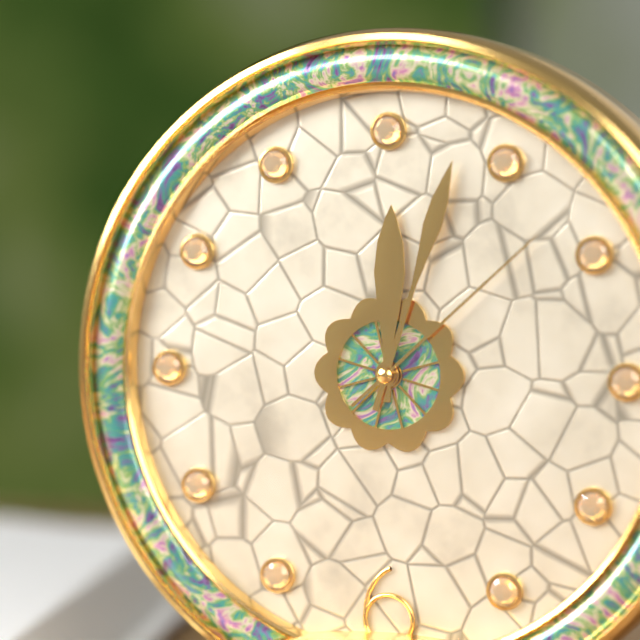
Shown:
12.03.08
